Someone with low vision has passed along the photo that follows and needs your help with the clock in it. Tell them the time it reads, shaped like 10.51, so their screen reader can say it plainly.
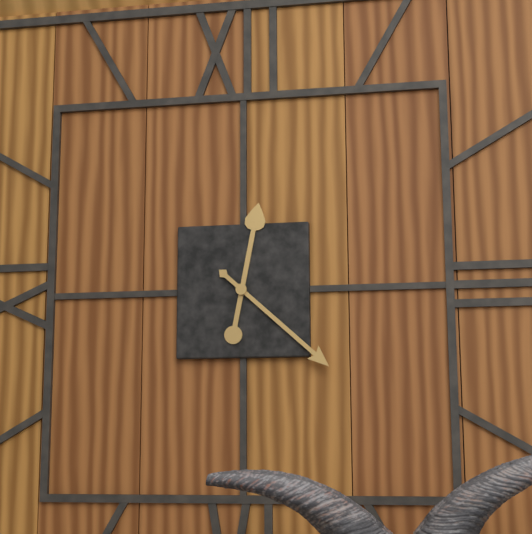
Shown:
12.22
